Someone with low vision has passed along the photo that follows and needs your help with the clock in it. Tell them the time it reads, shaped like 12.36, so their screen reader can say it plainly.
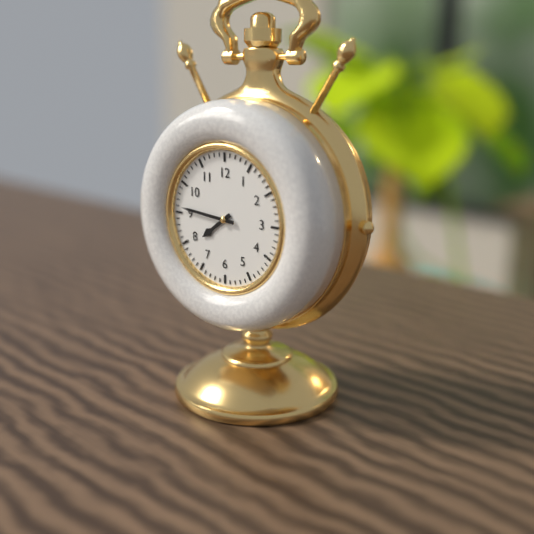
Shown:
7.46
